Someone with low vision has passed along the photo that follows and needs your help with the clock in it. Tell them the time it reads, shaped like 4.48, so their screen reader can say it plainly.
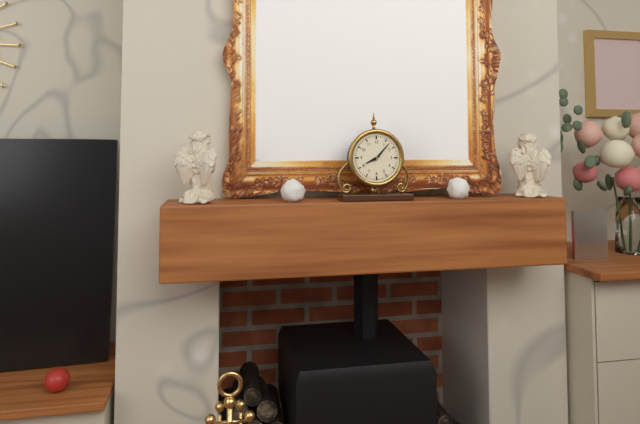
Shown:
8.07
